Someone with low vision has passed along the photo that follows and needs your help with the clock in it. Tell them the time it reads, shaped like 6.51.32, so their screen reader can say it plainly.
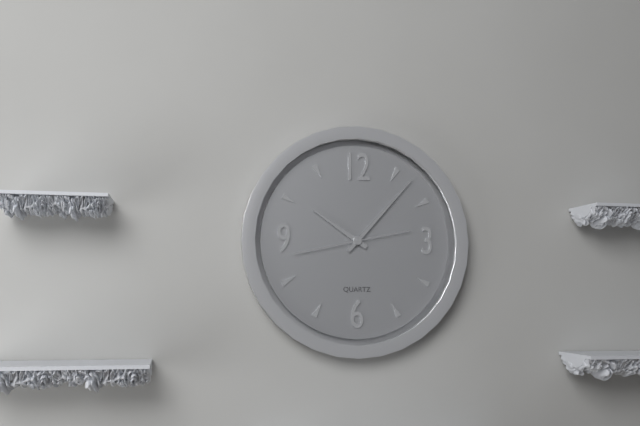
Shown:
10.07.43
